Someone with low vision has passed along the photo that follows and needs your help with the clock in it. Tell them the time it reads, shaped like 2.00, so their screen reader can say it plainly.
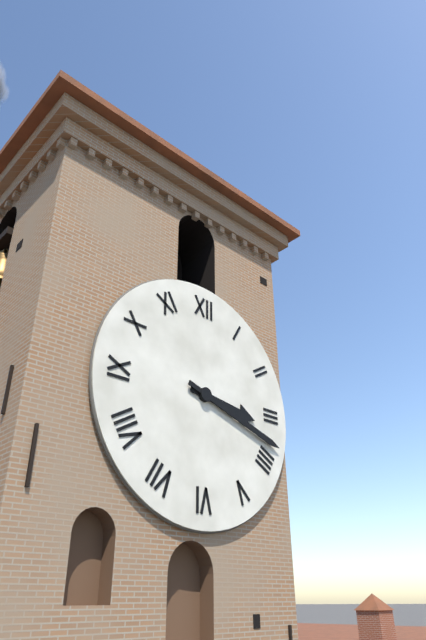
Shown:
3.18
